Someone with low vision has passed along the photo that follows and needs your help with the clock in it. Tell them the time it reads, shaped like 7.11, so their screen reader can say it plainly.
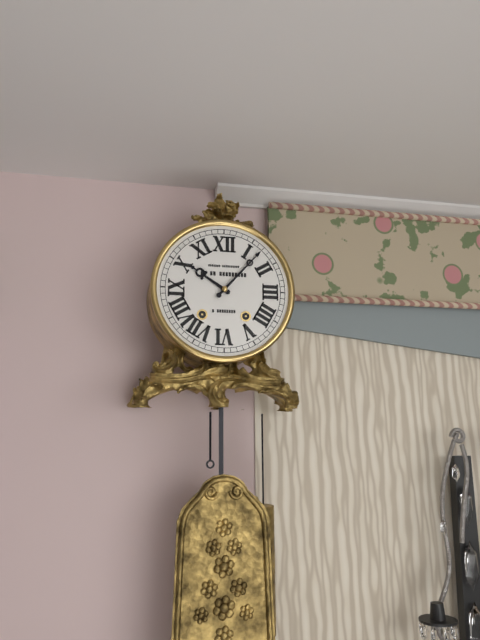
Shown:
10.07
